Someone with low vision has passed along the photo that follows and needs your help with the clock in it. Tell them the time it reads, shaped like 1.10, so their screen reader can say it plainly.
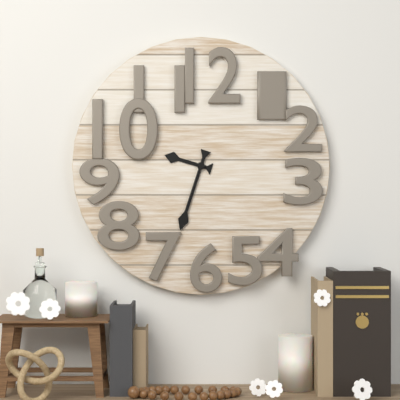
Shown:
9.33
